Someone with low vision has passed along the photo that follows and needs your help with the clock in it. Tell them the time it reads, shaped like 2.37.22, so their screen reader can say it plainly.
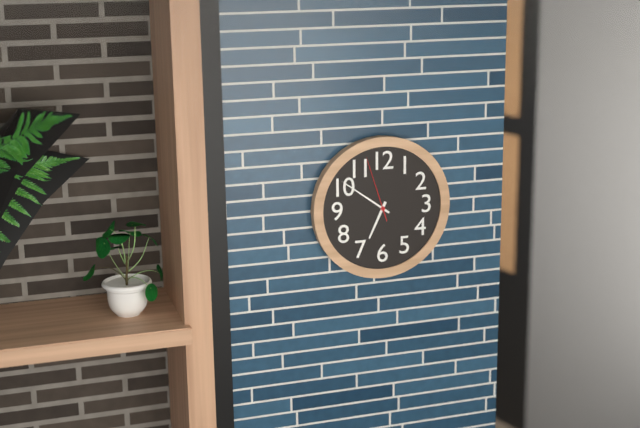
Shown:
6.51.57
